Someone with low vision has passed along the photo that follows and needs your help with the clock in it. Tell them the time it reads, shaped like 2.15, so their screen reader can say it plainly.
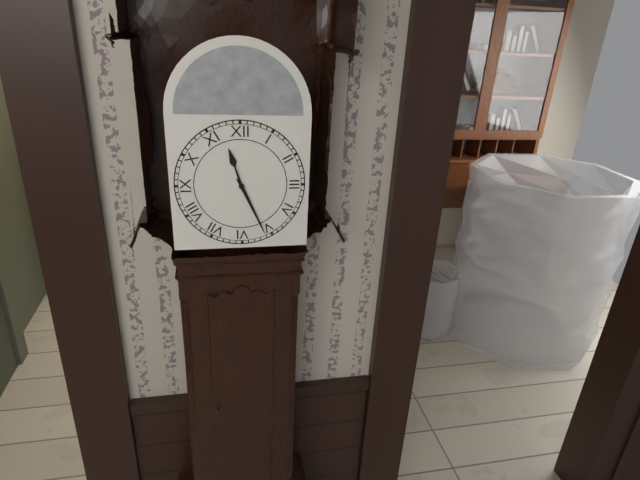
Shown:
11.26
